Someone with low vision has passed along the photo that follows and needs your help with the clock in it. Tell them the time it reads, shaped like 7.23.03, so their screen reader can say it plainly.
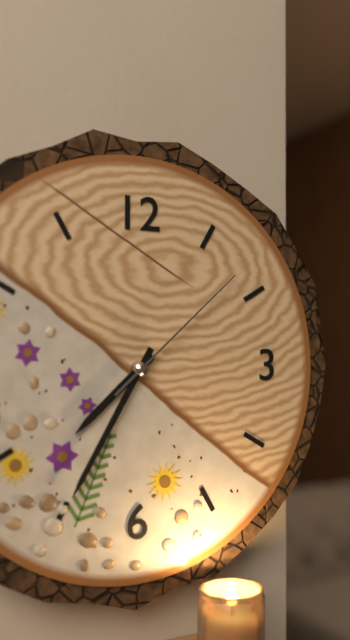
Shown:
7.35.08
